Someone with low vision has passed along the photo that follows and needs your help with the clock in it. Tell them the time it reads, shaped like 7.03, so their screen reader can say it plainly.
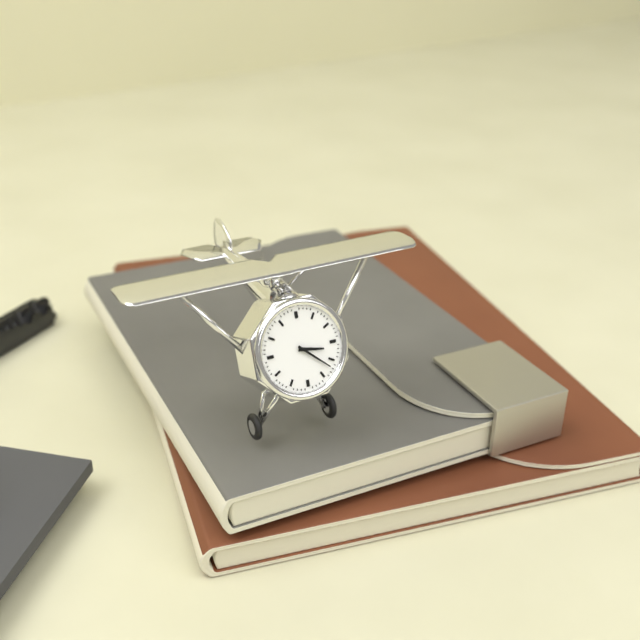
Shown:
3.22
